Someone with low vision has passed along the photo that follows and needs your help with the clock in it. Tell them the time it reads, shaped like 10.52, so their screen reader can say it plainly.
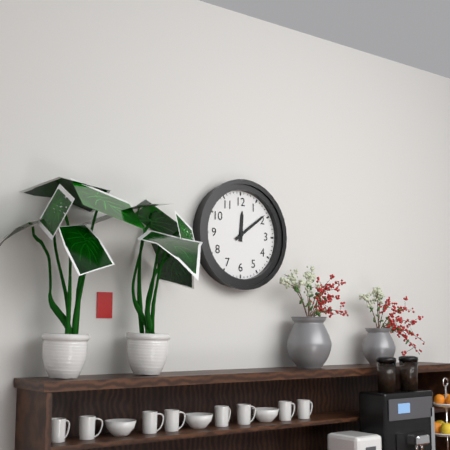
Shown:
12.09
